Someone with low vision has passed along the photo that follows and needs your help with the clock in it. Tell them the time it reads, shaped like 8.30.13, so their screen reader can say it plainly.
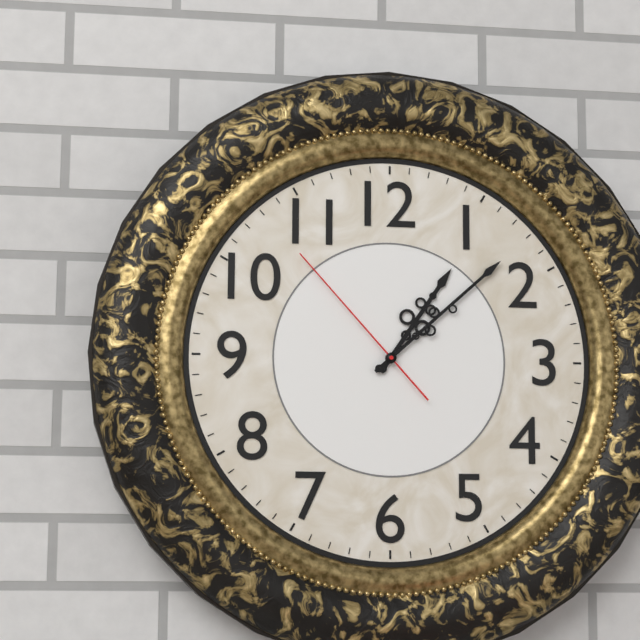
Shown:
1.08.53
